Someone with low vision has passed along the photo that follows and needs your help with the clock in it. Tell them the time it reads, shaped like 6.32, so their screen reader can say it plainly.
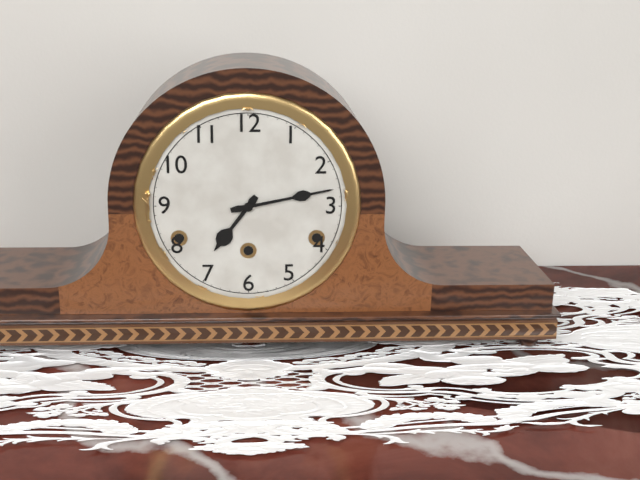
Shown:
7.13
